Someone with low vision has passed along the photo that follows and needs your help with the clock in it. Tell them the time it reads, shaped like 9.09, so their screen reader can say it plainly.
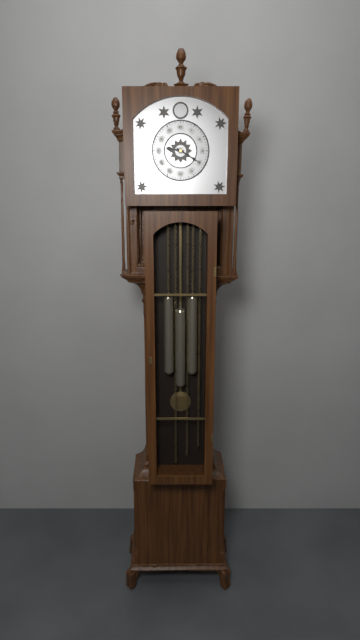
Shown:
9.20
